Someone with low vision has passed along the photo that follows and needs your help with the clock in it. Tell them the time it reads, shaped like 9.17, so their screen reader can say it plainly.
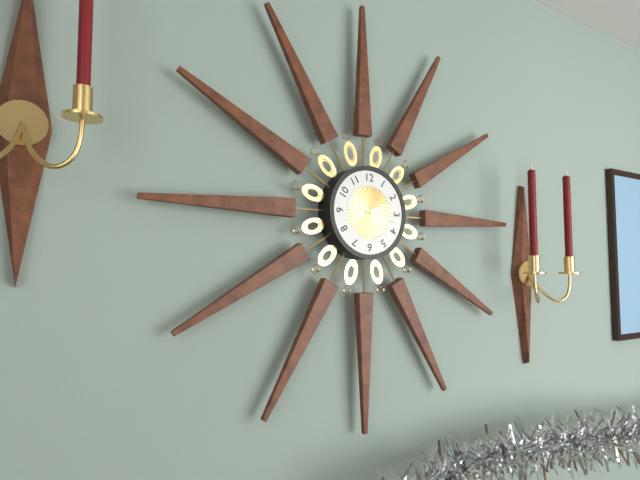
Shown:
2.17
